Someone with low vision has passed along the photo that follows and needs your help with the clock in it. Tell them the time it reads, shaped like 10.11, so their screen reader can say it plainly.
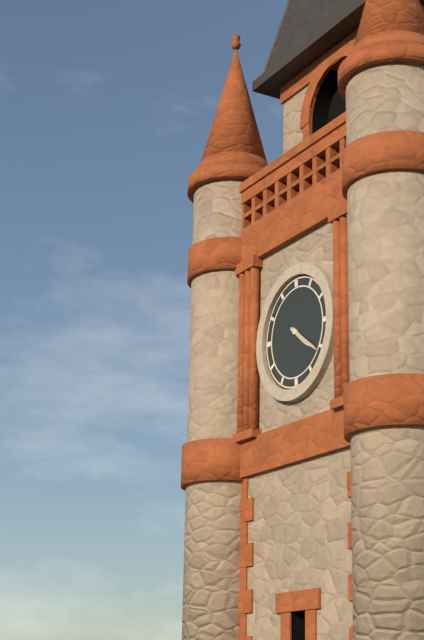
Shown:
4.21
